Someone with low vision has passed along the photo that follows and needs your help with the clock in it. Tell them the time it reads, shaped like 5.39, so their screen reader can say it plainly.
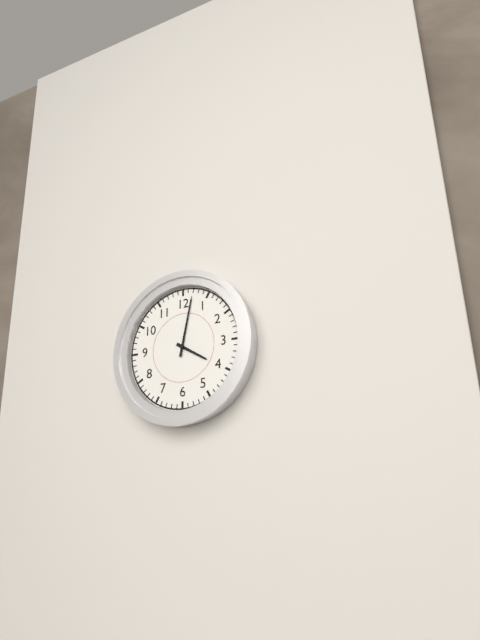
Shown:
4.02
